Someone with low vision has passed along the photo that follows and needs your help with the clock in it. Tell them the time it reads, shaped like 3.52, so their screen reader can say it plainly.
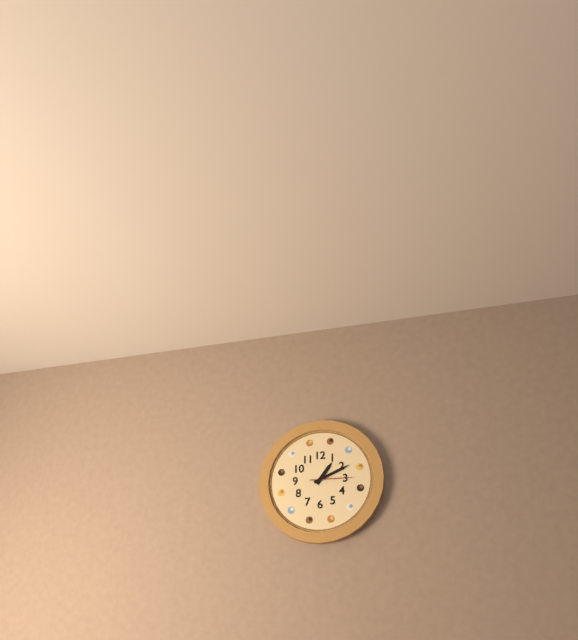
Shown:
1.11
